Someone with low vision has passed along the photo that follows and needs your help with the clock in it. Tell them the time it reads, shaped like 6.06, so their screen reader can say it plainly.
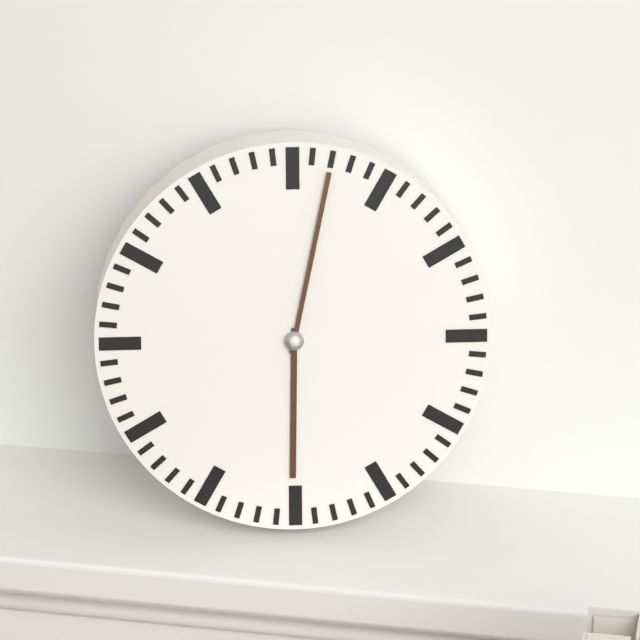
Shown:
6.02
